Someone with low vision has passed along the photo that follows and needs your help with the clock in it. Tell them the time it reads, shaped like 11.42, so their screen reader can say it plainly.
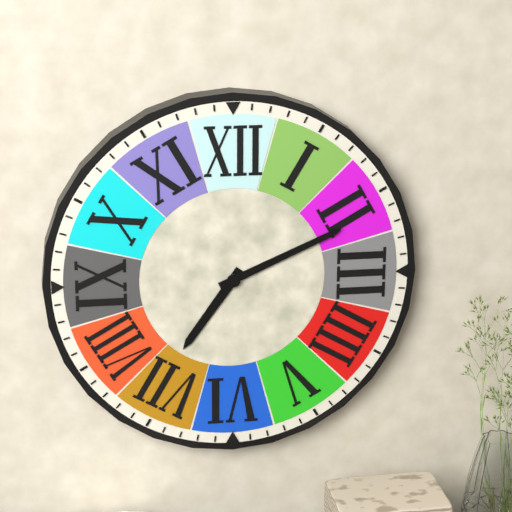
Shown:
7.11
